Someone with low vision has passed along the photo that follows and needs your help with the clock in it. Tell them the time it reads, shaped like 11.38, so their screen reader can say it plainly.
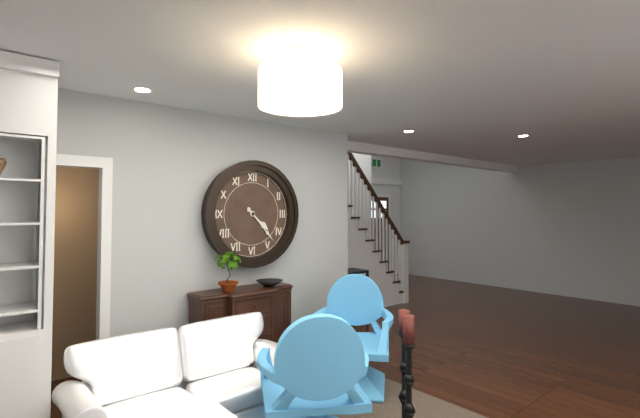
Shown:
4.23
